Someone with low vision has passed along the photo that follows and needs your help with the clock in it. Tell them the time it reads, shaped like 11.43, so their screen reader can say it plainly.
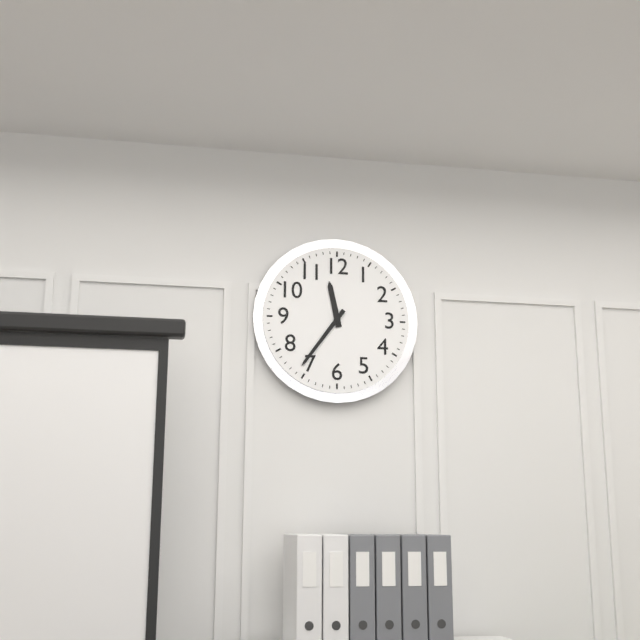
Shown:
11.36
